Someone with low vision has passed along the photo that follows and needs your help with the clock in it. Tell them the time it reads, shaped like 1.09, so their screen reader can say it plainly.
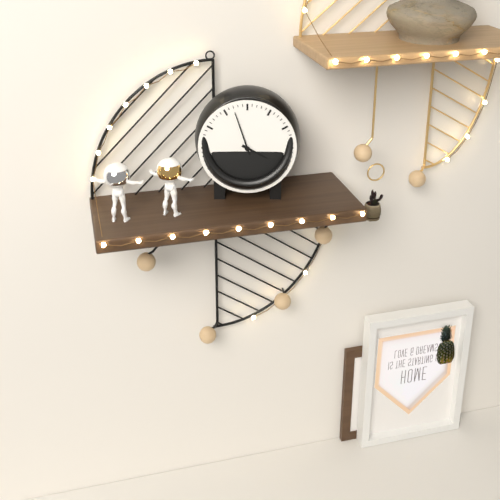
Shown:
3.57
